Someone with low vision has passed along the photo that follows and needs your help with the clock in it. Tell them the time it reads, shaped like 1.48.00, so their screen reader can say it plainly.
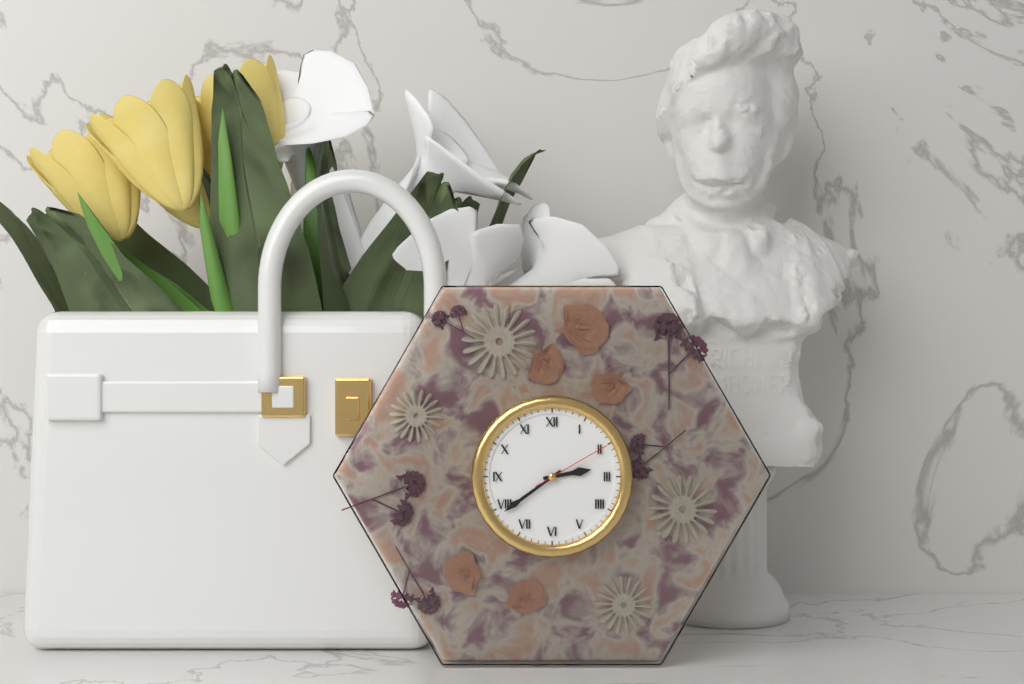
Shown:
2.39.10
